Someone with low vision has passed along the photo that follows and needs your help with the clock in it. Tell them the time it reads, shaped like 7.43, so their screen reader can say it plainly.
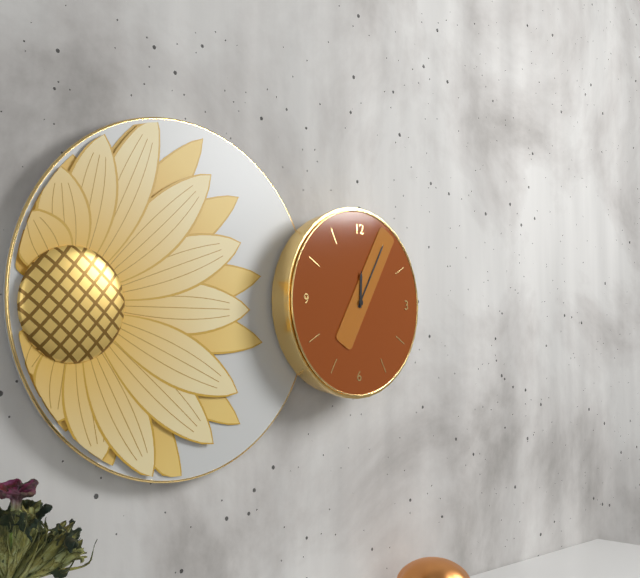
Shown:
12.05
